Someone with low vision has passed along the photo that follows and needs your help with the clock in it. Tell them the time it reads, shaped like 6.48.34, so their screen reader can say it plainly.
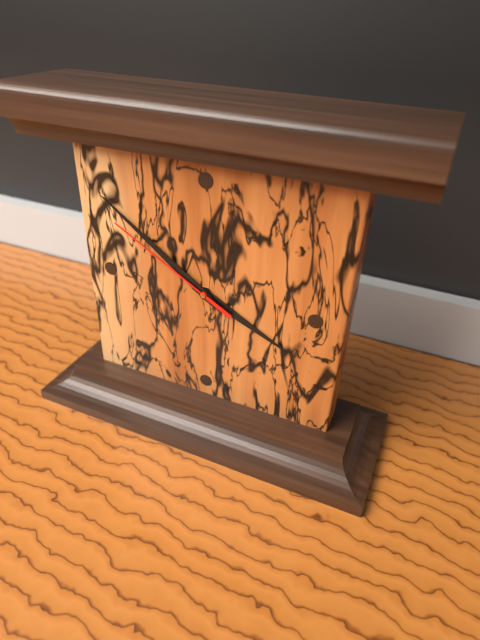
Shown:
3.51.50
